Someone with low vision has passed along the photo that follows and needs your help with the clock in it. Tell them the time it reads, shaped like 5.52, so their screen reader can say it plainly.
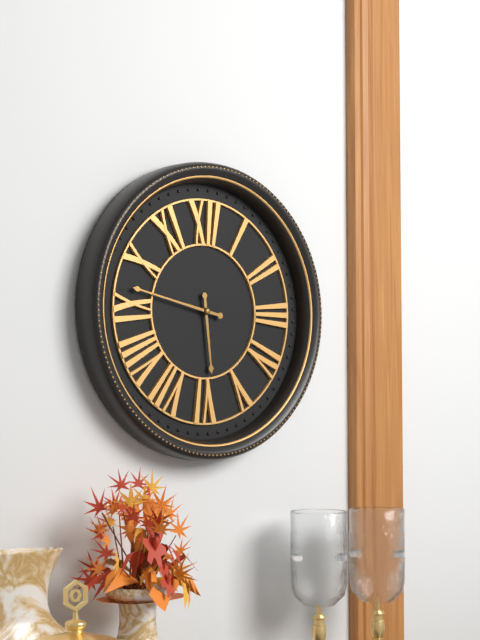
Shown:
5.47
